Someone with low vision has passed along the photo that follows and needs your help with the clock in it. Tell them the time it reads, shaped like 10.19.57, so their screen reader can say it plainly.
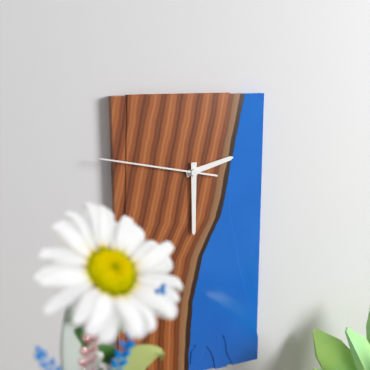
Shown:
2.30.47
